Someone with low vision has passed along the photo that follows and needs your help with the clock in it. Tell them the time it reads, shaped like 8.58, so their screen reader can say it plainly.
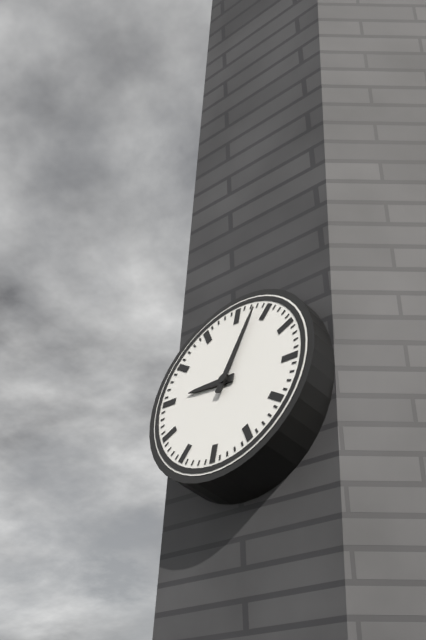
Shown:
9.03
